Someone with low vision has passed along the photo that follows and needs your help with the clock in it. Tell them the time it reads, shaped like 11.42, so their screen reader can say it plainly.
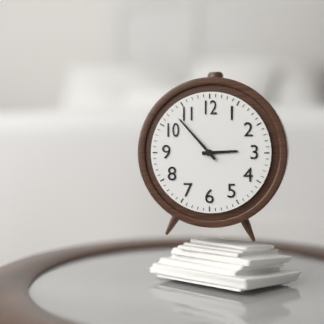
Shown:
2.53
